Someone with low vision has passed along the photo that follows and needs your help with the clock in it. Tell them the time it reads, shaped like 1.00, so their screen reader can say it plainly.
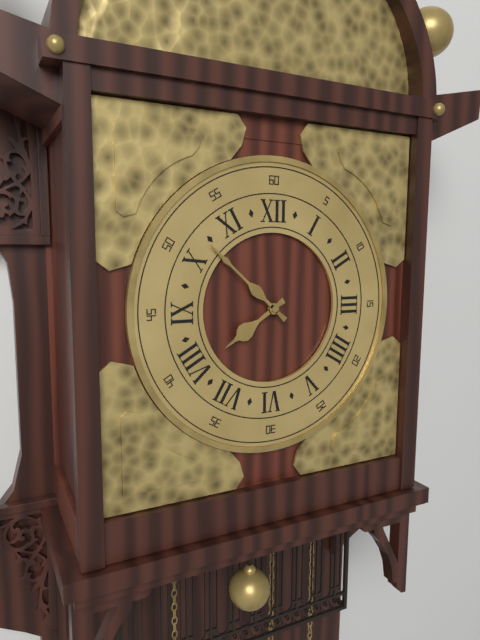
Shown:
7.52
